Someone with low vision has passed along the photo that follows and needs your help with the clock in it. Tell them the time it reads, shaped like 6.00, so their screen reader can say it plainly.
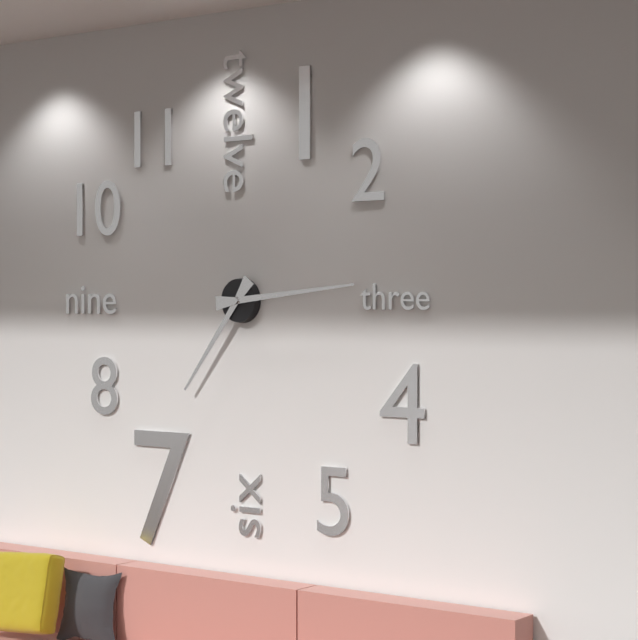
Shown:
7.14
